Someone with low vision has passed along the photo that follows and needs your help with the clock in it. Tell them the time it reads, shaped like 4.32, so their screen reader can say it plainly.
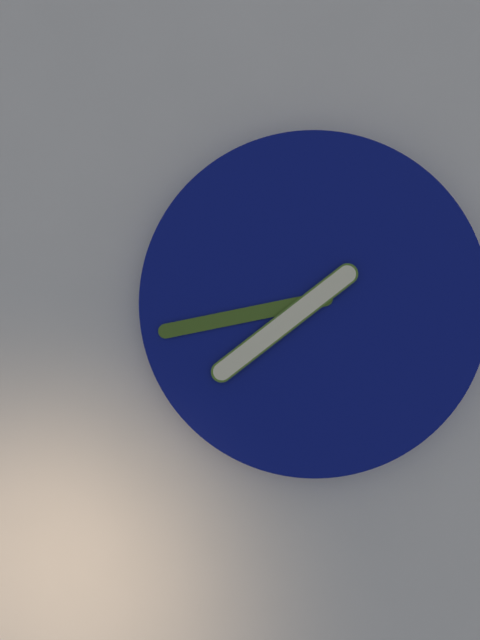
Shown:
7.43
